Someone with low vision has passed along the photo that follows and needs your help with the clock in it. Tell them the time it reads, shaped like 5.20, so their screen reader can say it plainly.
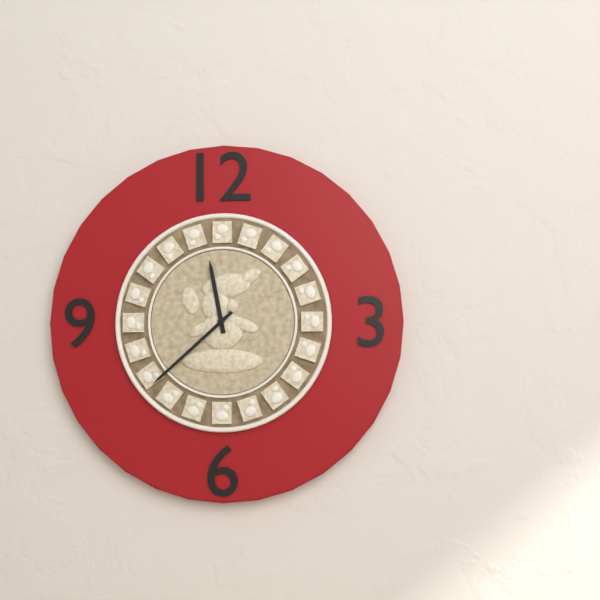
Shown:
11.38
